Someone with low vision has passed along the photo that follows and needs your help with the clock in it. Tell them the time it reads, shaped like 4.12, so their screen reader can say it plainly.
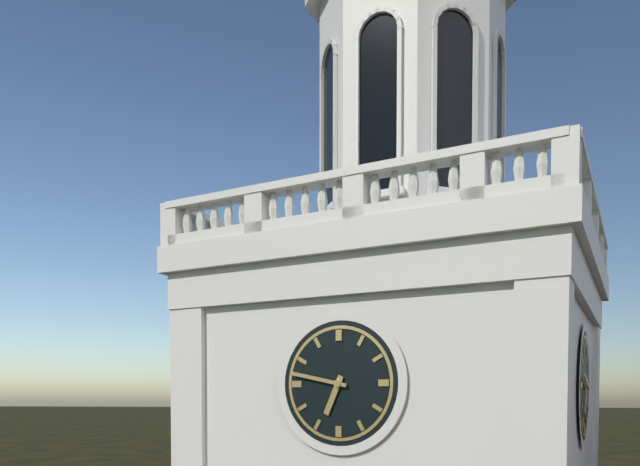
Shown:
6.47
